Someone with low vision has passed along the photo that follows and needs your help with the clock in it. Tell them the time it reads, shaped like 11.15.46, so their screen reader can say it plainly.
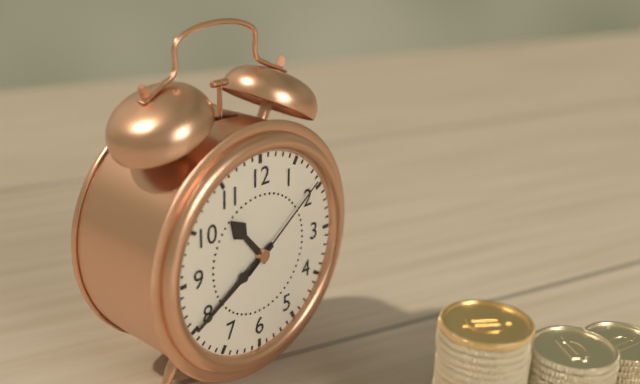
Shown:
10.40.09
